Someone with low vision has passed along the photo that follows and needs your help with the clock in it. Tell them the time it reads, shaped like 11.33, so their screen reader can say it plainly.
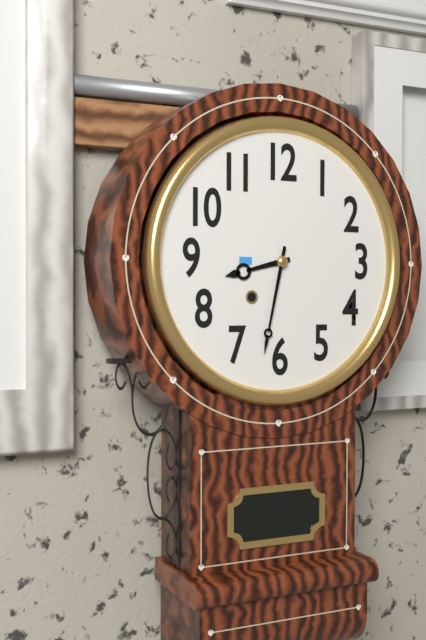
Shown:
8.32
